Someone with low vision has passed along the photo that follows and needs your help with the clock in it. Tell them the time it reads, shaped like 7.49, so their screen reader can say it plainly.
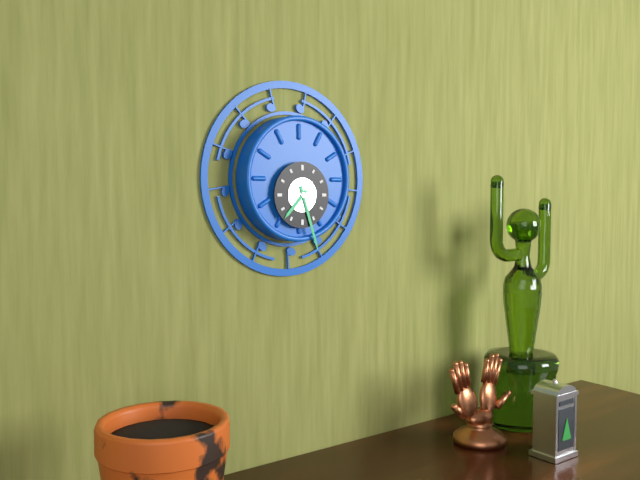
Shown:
7.27
